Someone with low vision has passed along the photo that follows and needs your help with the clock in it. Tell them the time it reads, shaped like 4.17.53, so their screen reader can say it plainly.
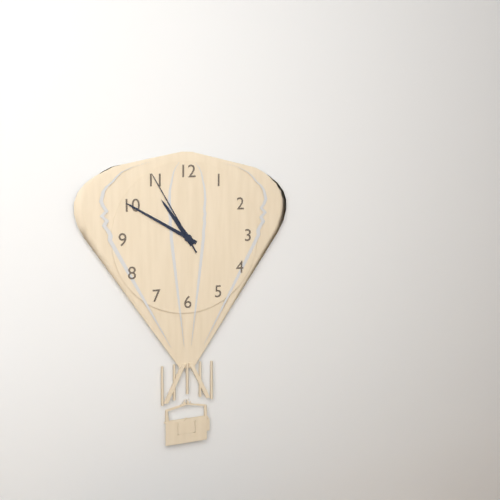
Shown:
10.50.55
